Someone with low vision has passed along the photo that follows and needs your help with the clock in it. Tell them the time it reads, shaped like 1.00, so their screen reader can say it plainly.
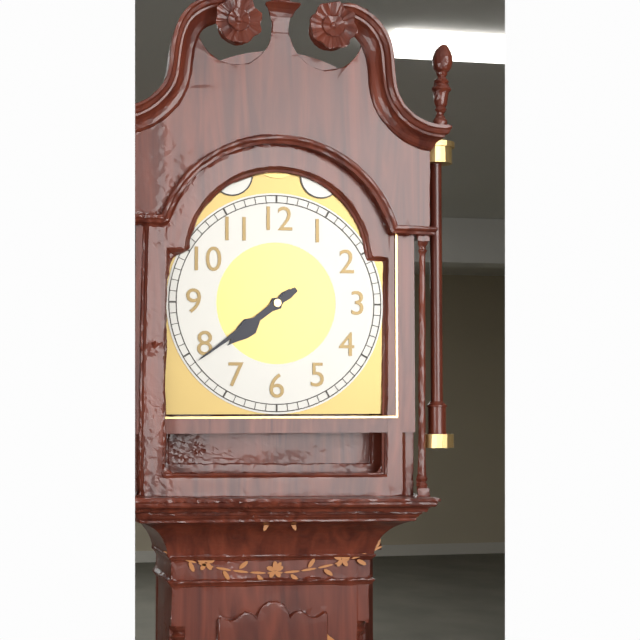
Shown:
7.39
